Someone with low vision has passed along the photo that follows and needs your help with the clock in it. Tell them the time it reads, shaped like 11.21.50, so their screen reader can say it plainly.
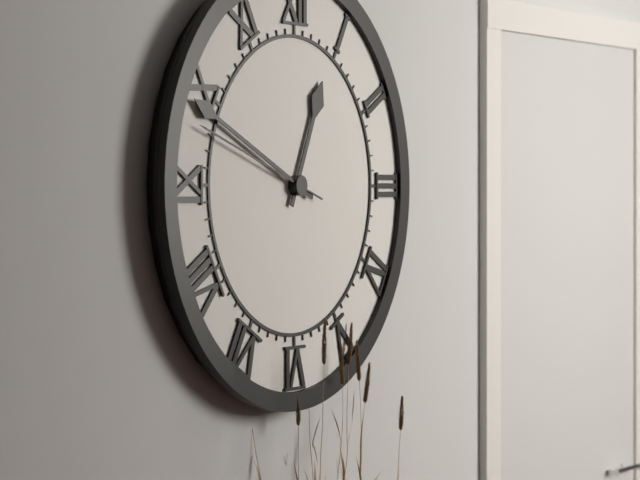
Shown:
12.49.48
